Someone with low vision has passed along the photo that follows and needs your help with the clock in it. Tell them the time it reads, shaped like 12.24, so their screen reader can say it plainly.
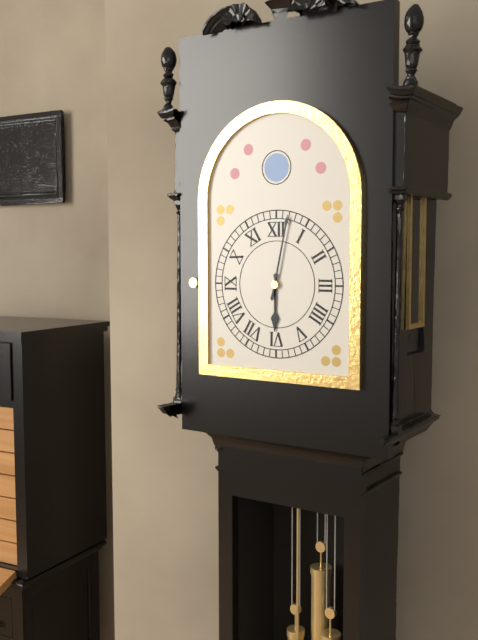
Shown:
6.02
